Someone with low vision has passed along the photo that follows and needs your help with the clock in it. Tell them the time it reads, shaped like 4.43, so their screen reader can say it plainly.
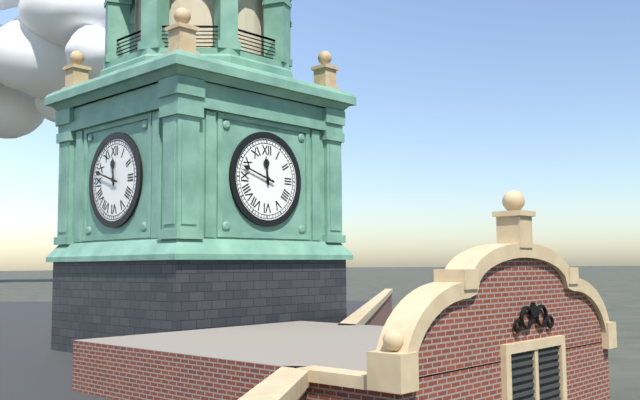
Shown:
11.48
